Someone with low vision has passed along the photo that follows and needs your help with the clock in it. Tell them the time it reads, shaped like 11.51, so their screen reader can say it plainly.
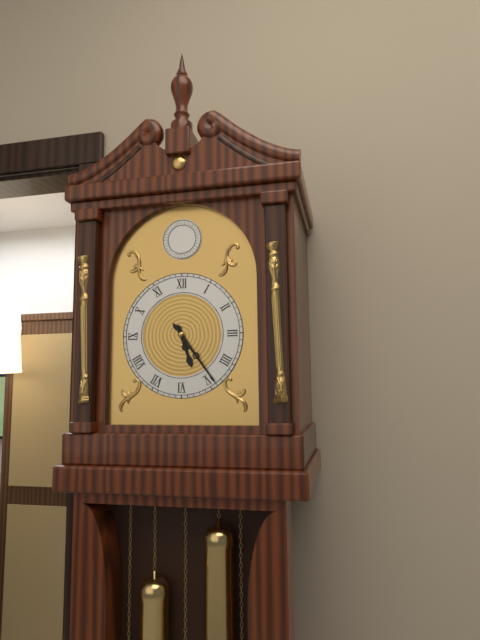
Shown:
5.24
